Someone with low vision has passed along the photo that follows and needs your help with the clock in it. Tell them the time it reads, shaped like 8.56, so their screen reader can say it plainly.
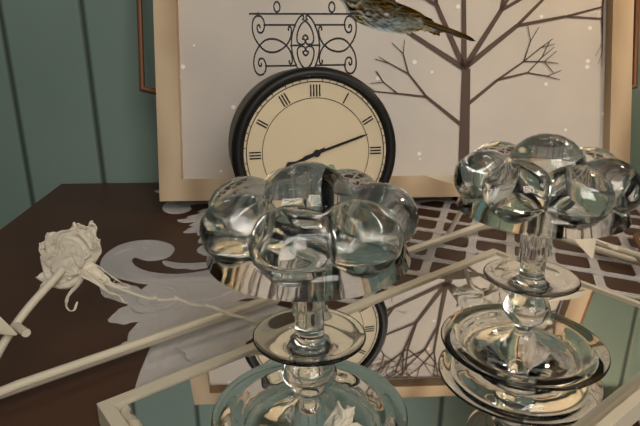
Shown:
8.12
